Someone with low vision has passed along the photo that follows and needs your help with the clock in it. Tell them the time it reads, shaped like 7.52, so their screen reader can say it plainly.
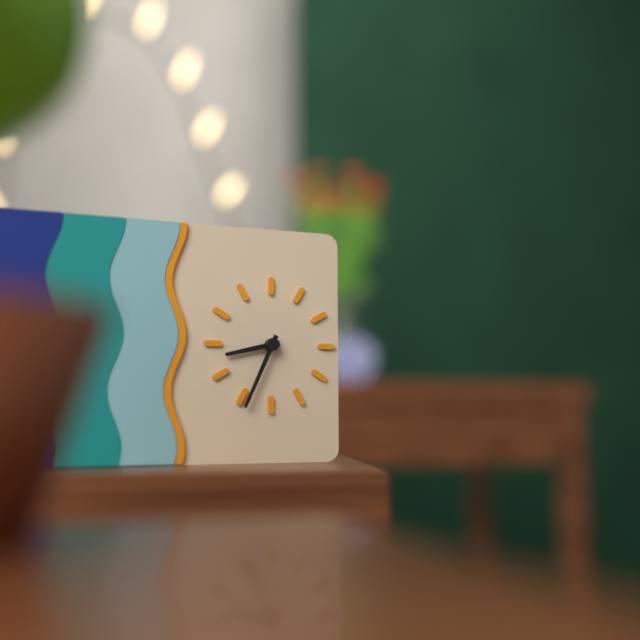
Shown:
8.34
